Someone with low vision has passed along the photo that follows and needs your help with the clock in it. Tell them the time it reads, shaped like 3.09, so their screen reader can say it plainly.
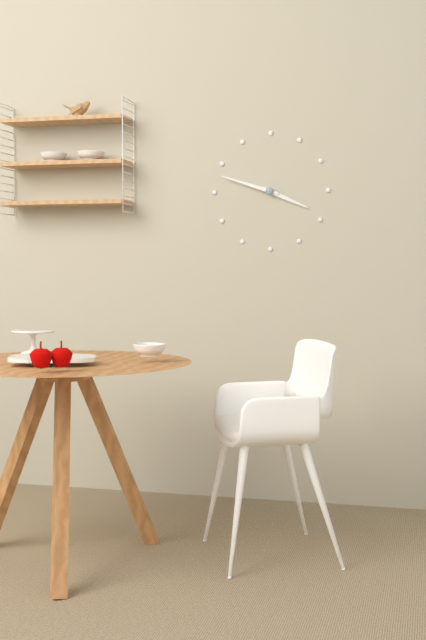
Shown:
3.48
